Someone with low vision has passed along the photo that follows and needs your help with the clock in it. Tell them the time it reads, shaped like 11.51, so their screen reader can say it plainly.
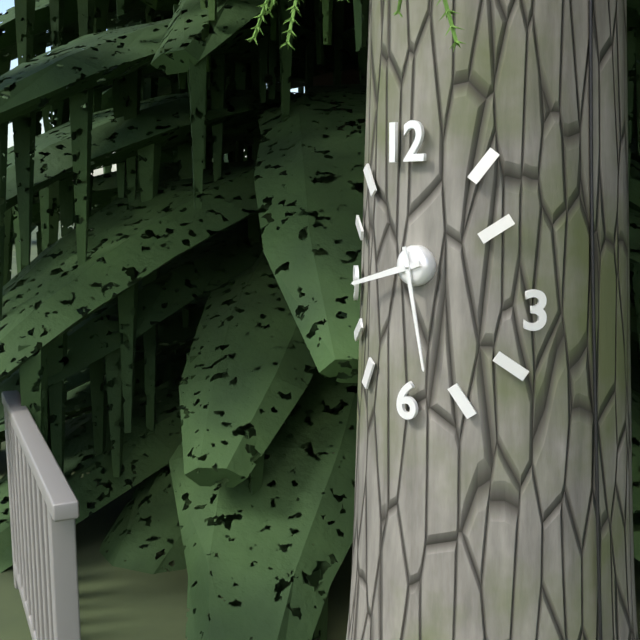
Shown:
8.28
